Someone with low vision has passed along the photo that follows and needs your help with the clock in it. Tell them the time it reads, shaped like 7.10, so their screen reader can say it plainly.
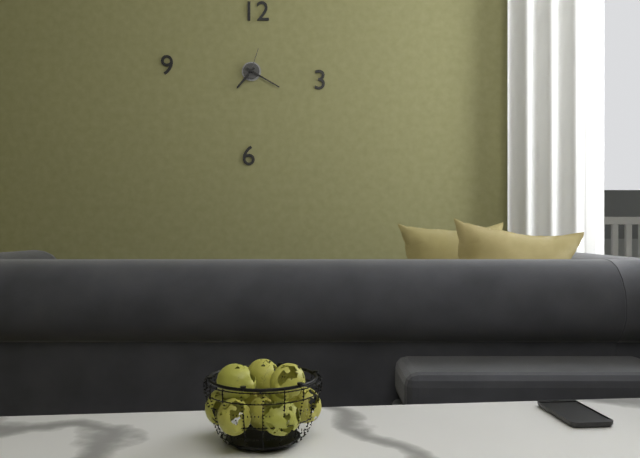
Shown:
7.20
